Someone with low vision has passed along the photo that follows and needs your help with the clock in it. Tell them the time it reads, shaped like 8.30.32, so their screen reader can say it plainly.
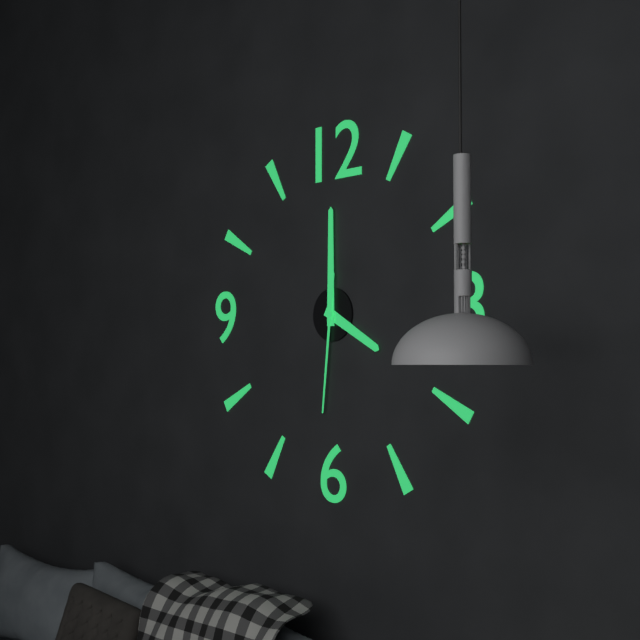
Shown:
4.00.31
